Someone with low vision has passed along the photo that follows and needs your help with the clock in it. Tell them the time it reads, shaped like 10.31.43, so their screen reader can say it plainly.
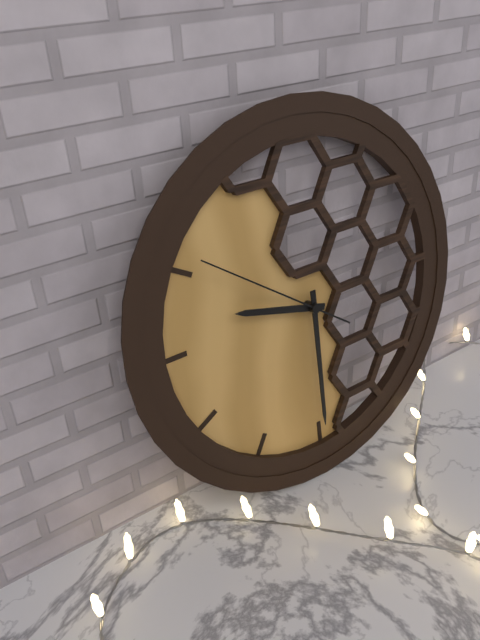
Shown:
9.30.51
